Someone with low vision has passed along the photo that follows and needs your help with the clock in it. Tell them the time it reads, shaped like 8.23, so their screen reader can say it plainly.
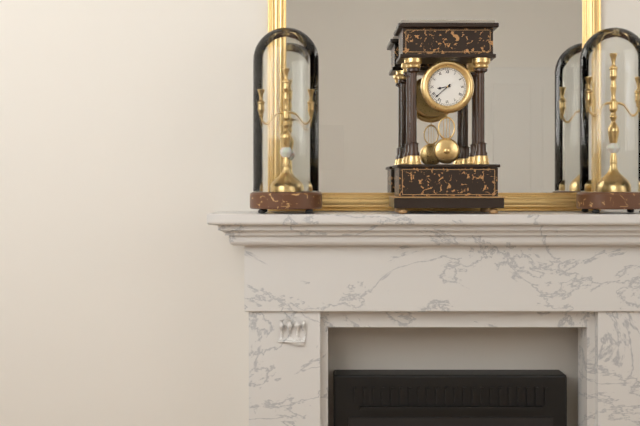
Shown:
8.38
